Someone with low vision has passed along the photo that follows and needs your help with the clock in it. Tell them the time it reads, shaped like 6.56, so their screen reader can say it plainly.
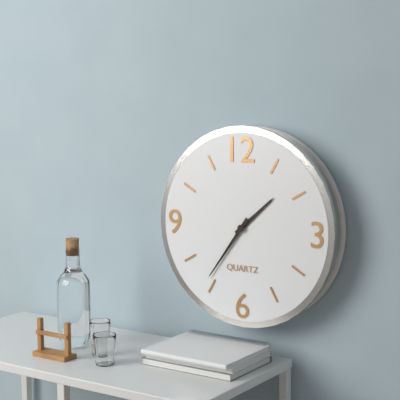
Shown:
1.36
